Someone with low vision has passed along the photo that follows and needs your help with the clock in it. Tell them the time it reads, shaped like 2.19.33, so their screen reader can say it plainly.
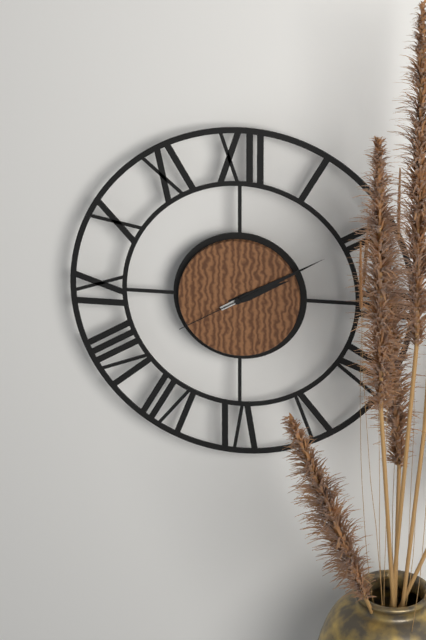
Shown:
2.10.40
